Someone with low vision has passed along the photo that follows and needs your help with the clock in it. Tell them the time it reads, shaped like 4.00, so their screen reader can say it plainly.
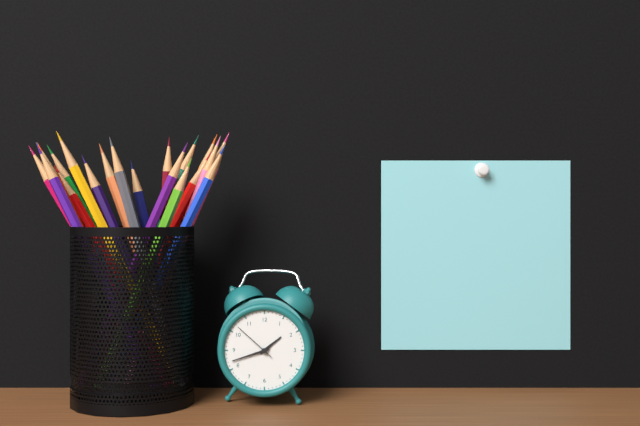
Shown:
1.42
